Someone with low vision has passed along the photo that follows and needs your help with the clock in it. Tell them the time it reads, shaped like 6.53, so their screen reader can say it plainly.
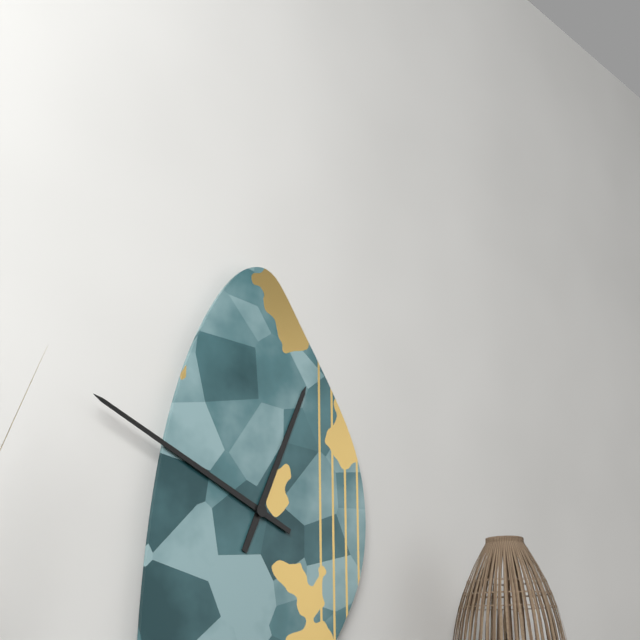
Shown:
12.49
